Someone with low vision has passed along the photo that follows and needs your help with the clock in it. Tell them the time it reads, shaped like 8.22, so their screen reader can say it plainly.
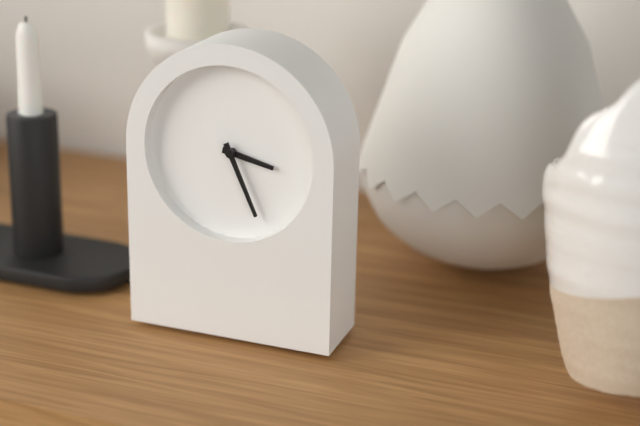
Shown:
3.26
